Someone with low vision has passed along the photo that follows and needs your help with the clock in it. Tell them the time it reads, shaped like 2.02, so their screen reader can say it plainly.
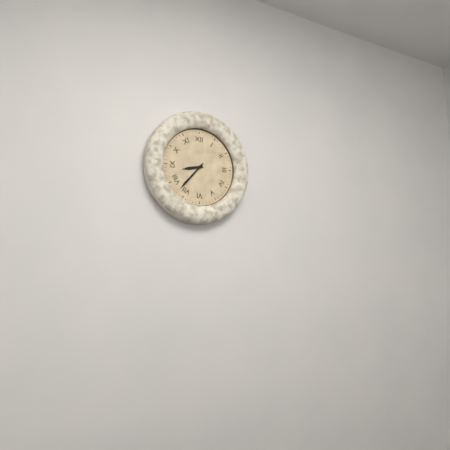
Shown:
8.37
